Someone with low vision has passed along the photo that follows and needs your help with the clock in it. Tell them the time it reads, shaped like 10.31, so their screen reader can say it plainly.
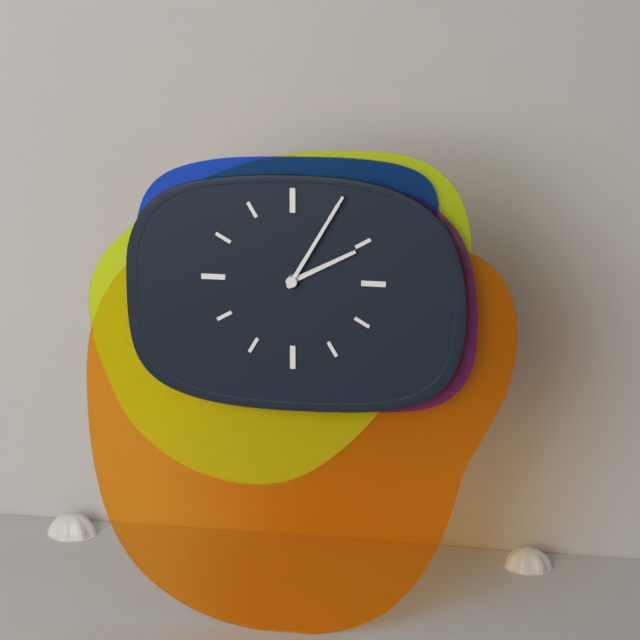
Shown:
2.05
